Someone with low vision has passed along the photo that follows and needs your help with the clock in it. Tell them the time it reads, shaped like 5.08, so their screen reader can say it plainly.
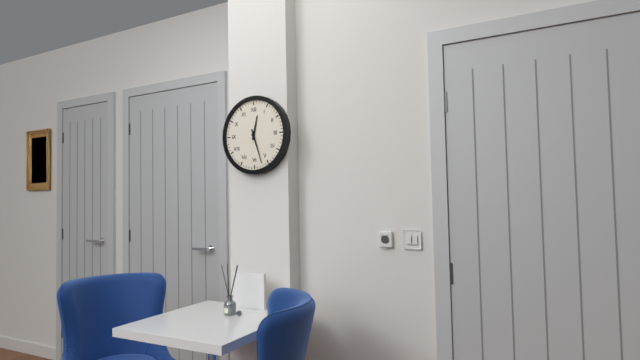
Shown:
12.27
